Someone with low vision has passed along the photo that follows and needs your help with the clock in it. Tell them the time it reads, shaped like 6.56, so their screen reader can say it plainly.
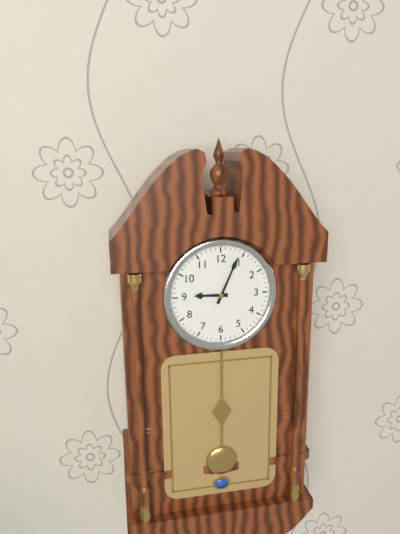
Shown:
9.04
